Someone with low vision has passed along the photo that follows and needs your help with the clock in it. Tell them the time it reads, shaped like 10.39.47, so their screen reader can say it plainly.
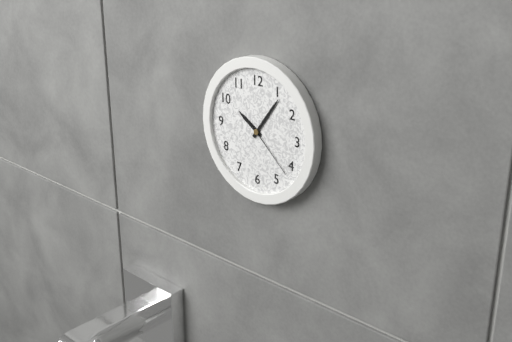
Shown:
10.06.22
